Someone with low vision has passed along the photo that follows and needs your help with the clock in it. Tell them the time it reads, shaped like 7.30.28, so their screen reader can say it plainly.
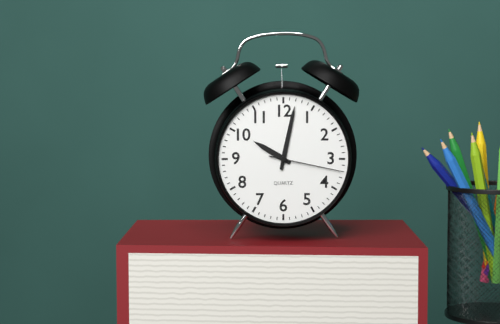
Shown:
10.02.17
